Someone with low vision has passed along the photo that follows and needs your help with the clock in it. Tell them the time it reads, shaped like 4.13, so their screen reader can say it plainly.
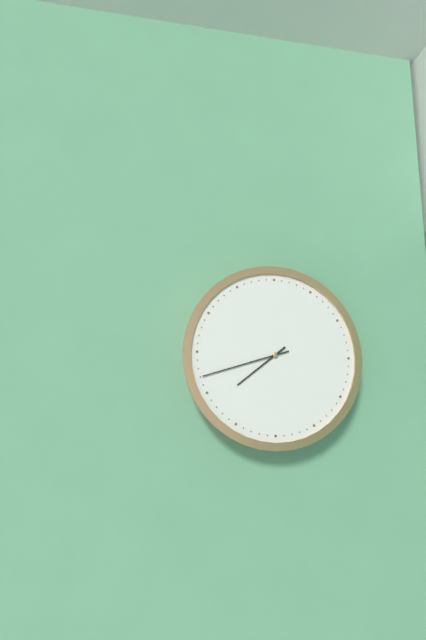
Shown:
7.42
